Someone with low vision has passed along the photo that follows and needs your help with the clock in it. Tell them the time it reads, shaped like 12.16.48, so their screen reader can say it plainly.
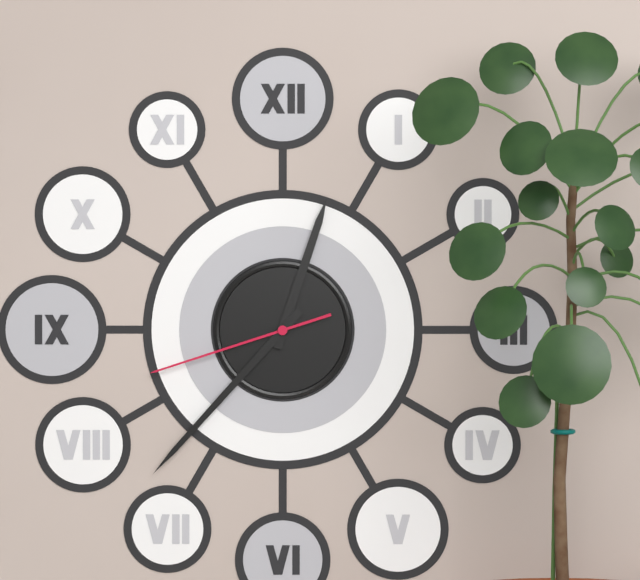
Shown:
12.37.42
